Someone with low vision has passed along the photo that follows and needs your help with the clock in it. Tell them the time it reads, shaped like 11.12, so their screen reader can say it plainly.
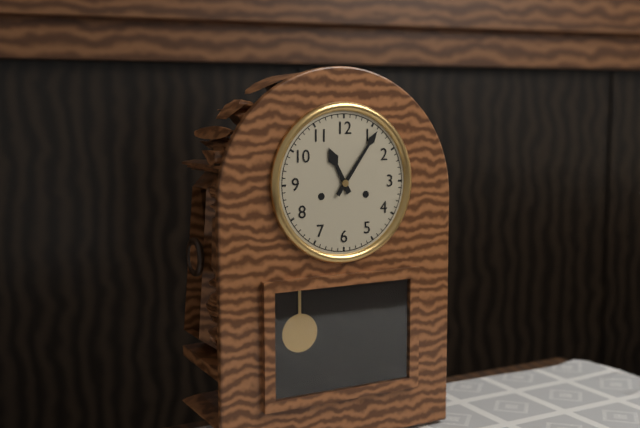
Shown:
11.06
